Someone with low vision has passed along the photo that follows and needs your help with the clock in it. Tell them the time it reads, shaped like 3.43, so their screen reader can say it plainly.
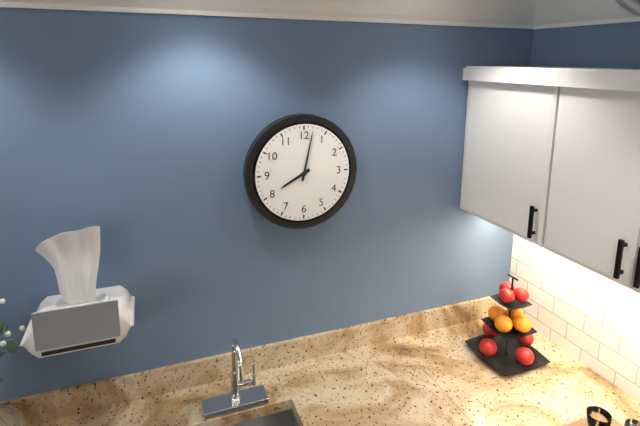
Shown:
8.02
